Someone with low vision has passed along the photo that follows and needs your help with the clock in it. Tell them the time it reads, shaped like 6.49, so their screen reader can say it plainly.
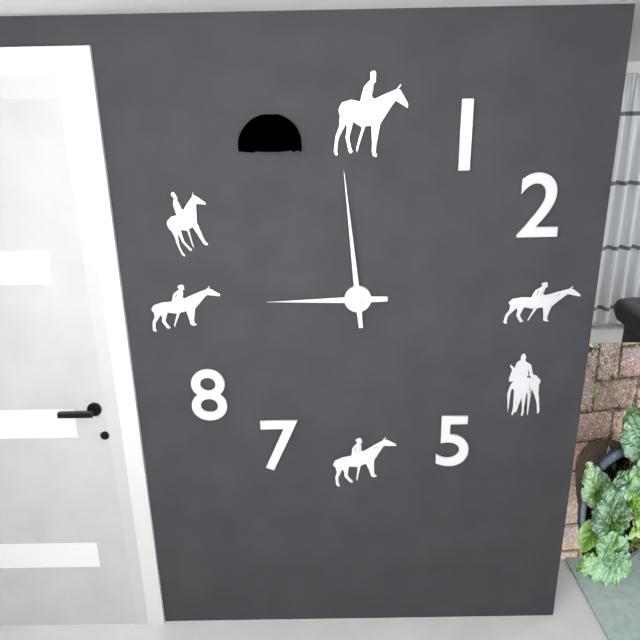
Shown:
8.59
